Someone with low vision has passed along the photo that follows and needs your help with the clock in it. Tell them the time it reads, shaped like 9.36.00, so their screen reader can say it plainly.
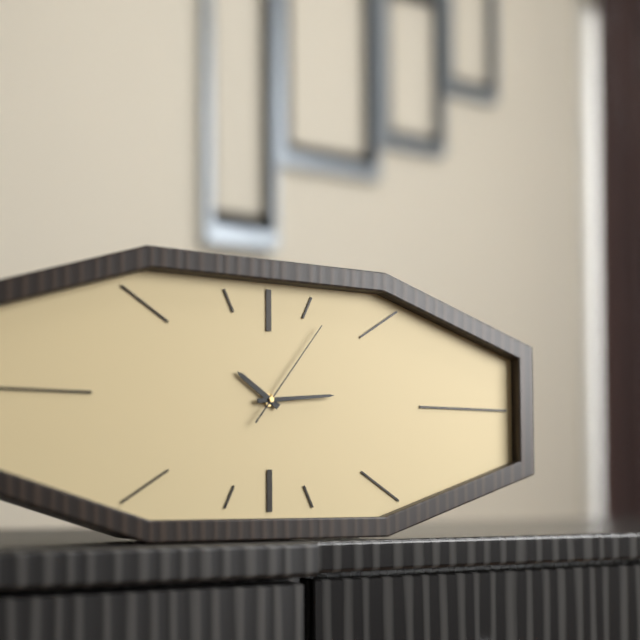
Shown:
10.14.06
